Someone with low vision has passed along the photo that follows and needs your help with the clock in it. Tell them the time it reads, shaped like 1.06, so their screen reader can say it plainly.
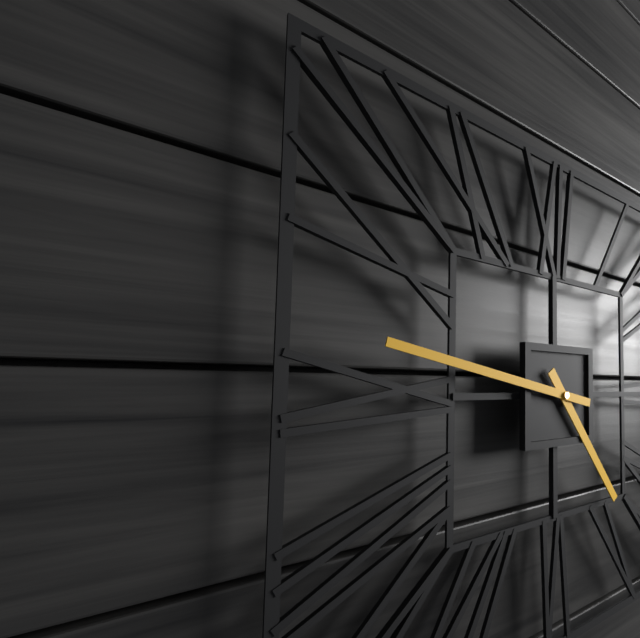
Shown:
4.47
